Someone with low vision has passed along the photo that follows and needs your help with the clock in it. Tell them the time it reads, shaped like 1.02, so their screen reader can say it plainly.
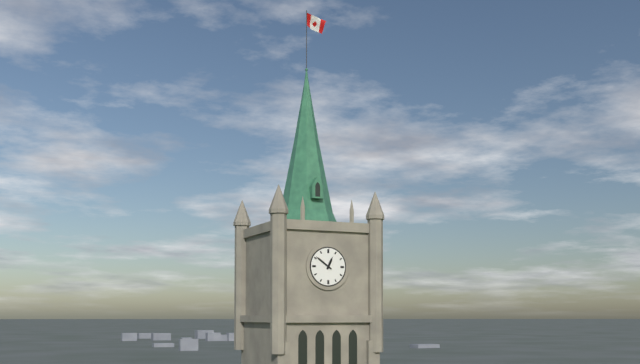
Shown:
12.51
